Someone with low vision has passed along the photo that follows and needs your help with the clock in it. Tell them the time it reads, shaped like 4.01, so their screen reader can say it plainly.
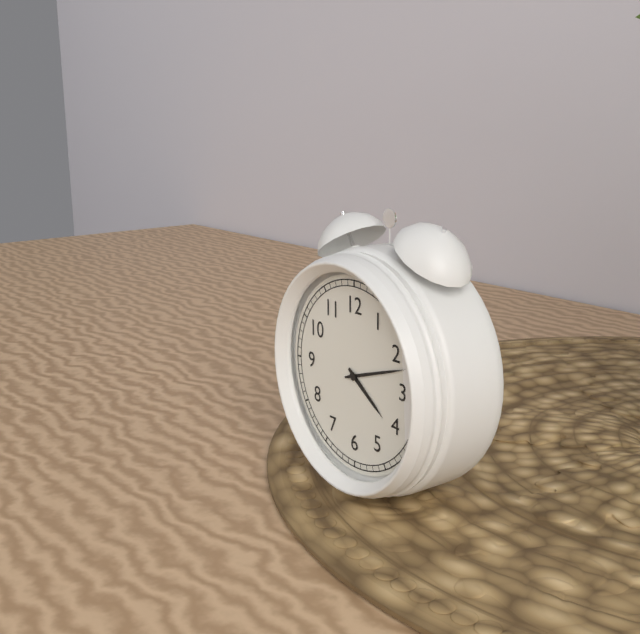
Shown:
4.12
